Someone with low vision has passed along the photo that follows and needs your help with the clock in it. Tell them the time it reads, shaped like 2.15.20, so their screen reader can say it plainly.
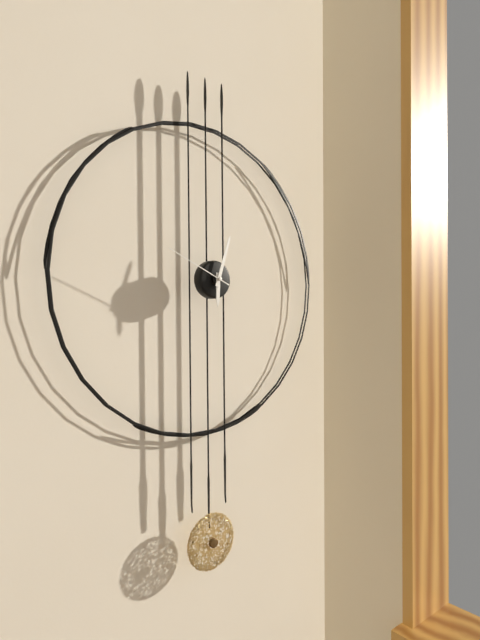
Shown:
6.03.49
